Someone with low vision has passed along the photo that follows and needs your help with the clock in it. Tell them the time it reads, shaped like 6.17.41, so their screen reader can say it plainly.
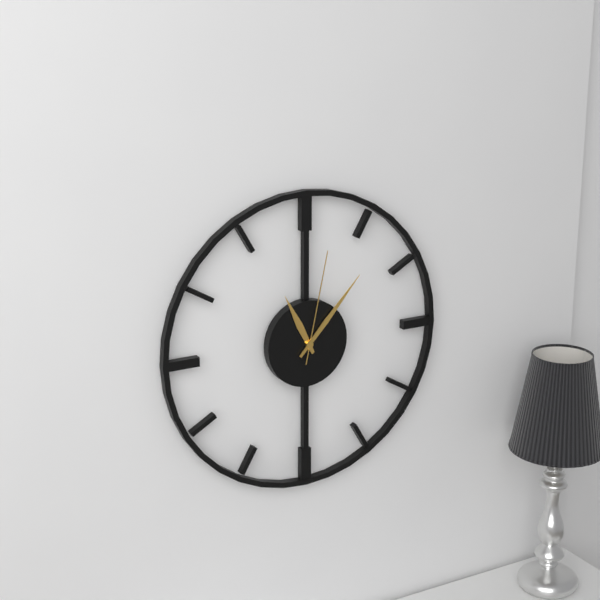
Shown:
11.07.02
